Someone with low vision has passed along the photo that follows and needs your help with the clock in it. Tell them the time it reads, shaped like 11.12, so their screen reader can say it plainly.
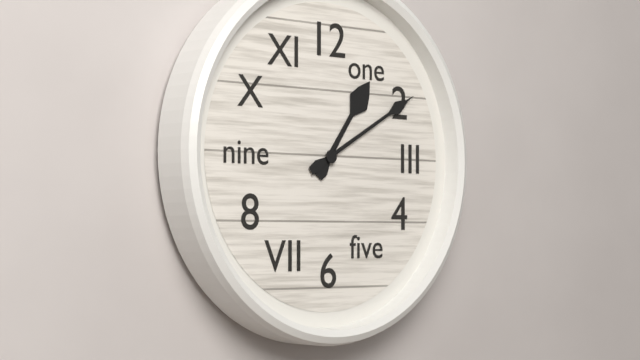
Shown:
1.10
